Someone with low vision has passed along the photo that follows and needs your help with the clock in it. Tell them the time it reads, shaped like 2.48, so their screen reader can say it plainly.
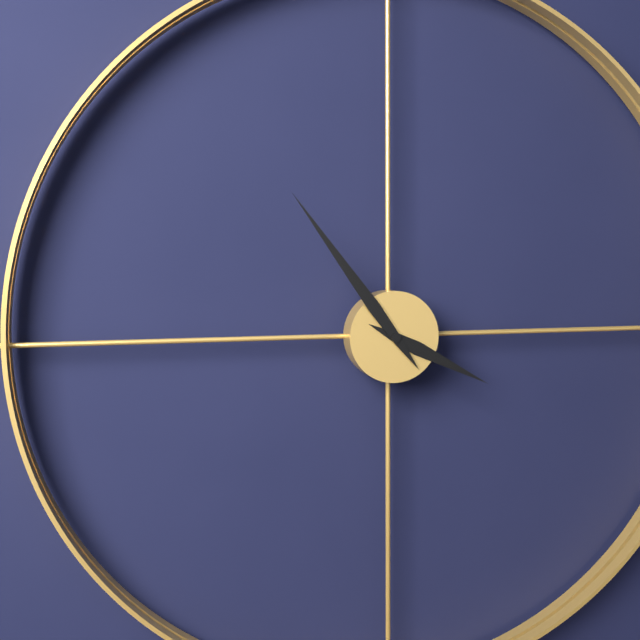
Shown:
3.54
